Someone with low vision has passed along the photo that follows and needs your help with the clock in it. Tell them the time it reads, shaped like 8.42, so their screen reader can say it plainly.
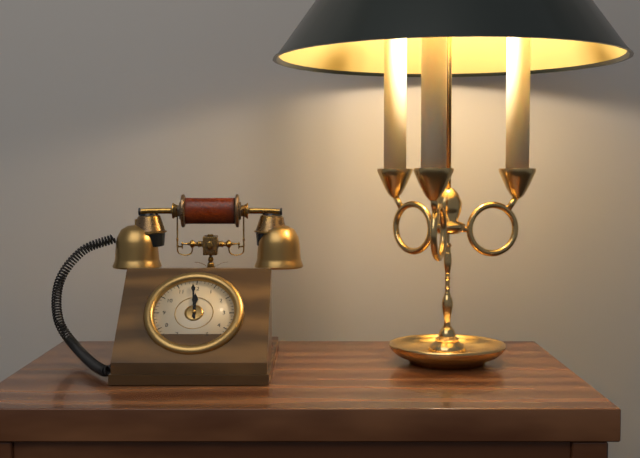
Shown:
11.59
